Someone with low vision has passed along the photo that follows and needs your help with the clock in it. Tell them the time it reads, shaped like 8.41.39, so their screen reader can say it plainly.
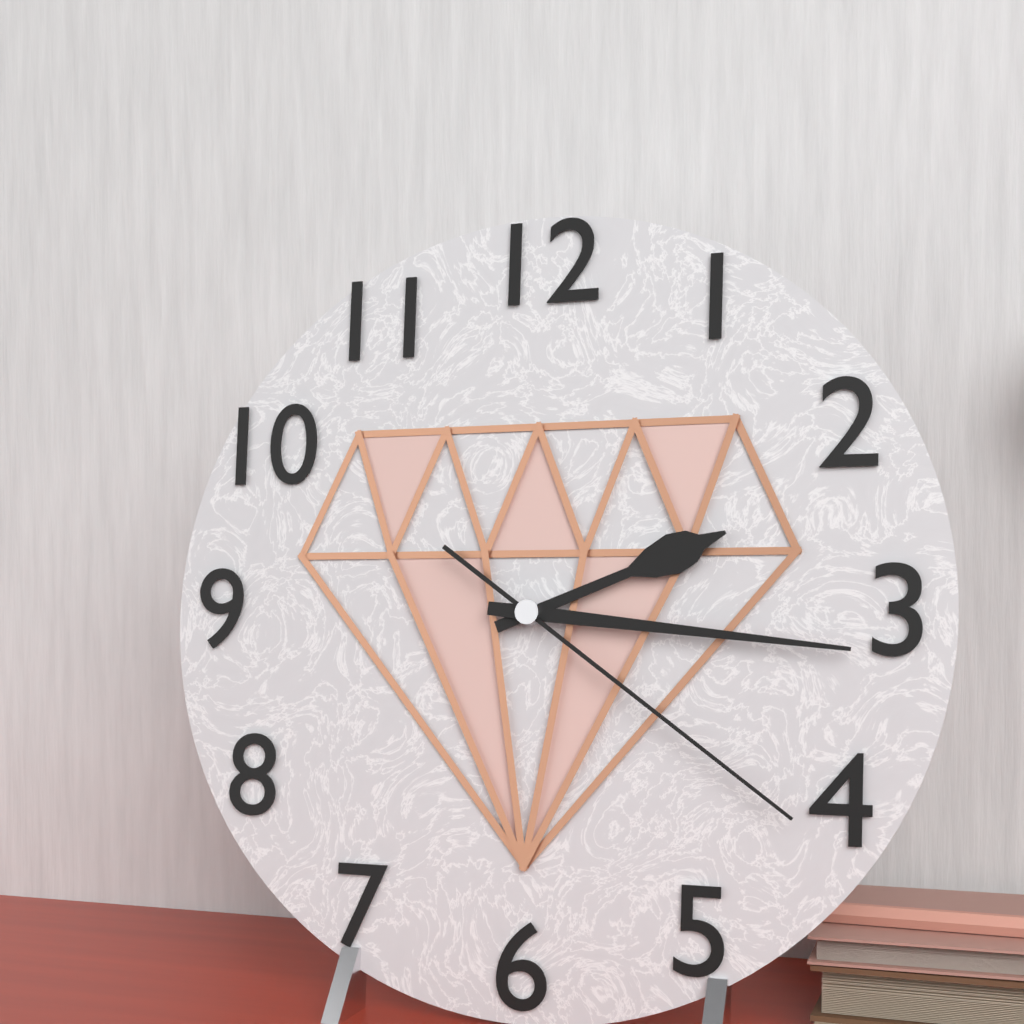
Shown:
2.16.21
